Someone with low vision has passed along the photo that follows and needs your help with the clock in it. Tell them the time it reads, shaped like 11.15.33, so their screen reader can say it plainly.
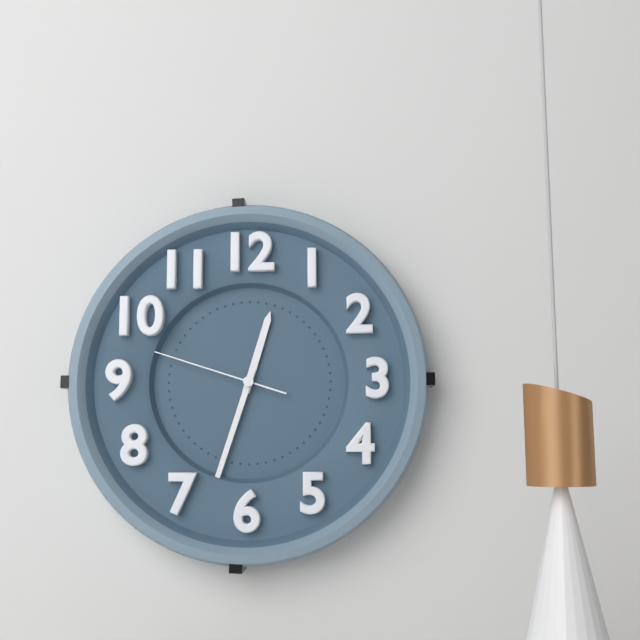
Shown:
12.33.48
